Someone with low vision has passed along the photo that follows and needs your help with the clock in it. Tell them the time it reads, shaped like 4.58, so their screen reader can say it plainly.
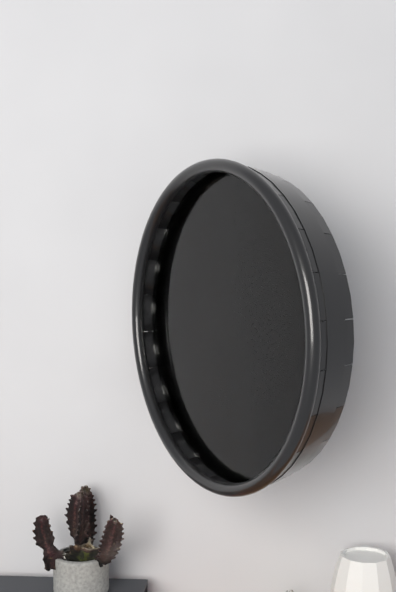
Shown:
8.25
